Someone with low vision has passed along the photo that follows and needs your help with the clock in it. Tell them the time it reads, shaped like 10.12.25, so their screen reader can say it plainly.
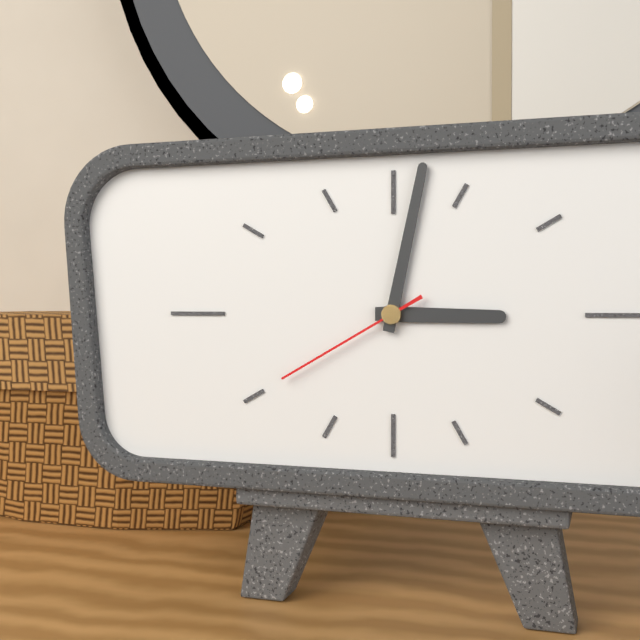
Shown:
3.02.40
